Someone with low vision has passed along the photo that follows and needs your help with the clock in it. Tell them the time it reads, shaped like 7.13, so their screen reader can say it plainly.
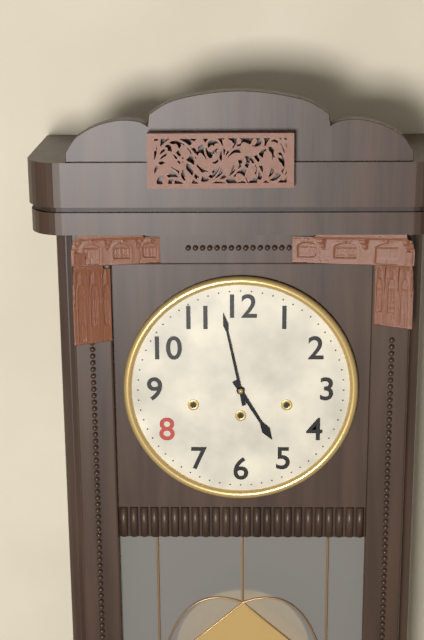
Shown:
4.58
